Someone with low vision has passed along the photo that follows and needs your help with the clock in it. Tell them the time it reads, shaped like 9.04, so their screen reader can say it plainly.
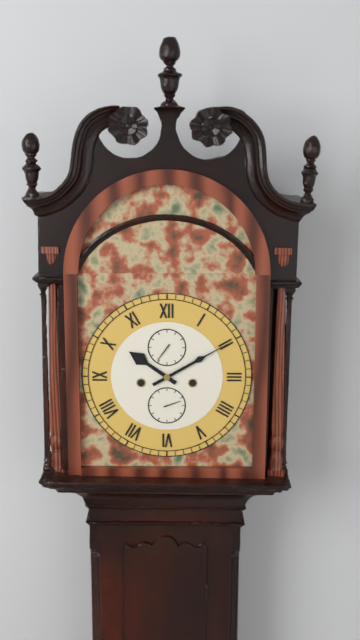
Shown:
10.10
